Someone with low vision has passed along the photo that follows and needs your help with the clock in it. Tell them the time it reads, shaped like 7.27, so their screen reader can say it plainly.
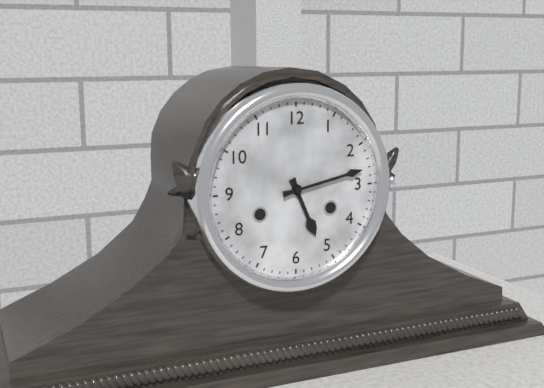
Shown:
5.13
